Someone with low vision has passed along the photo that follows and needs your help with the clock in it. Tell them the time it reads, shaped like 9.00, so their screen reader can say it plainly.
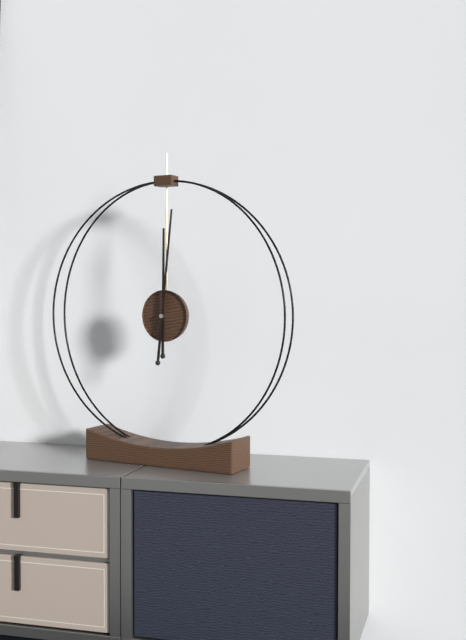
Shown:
12.01
